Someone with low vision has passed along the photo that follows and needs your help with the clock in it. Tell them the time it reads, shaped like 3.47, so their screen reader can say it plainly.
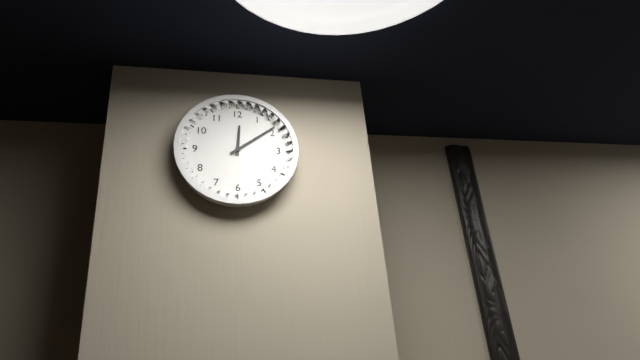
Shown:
12.09
